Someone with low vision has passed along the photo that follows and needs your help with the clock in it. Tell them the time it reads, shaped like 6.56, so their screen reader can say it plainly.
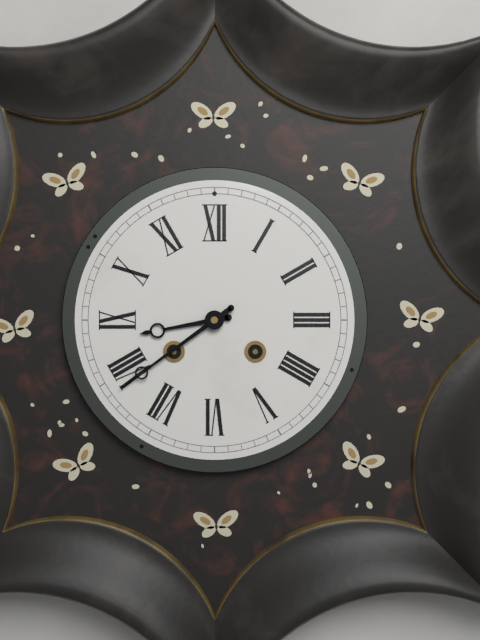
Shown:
8.39
